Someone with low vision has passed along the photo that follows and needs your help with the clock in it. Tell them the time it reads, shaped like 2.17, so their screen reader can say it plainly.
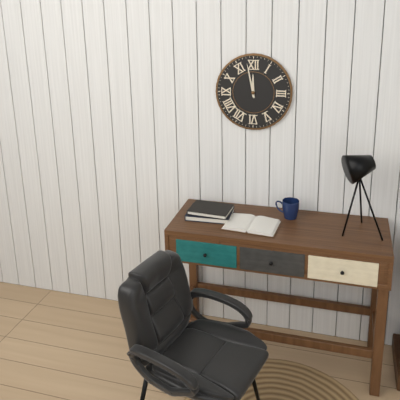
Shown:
11.58
